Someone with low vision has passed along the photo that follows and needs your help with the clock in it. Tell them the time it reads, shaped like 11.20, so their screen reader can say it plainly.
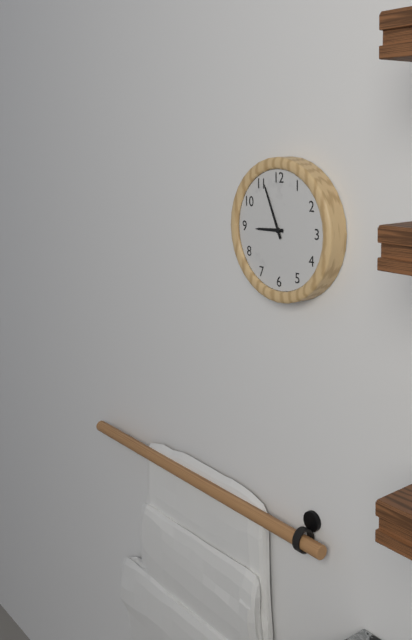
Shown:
8.56
